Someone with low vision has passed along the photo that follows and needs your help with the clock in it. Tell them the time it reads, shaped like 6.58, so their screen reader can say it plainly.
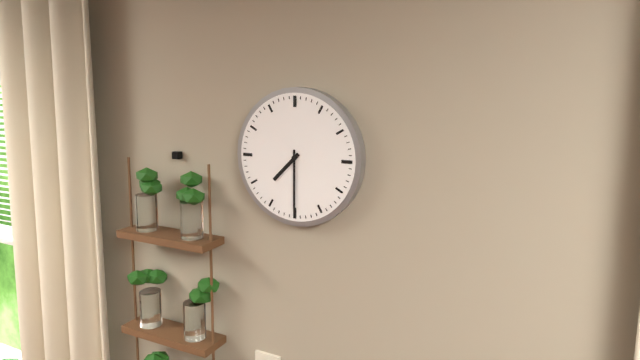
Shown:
7.30
